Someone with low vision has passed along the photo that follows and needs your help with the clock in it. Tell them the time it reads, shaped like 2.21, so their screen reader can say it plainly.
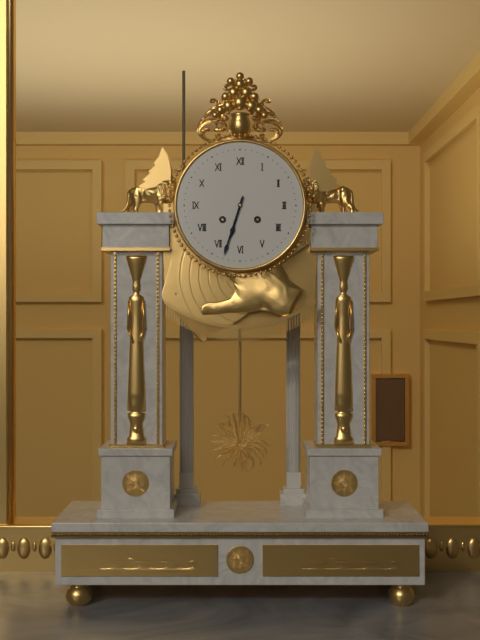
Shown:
6.33
